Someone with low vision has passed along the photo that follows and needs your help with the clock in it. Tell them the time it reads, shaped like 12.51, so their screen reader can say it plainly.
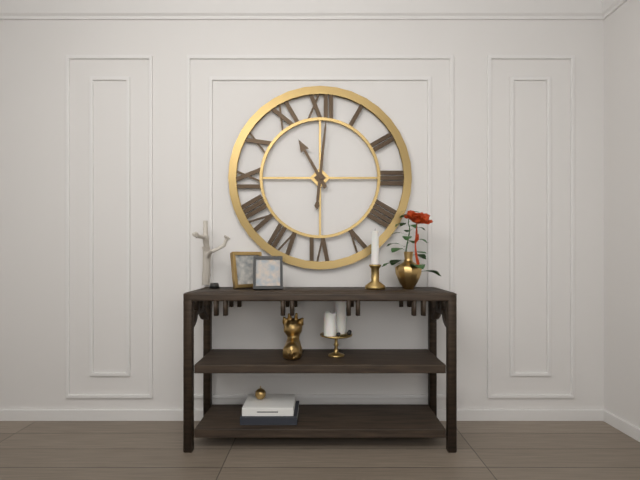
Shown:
11.01
